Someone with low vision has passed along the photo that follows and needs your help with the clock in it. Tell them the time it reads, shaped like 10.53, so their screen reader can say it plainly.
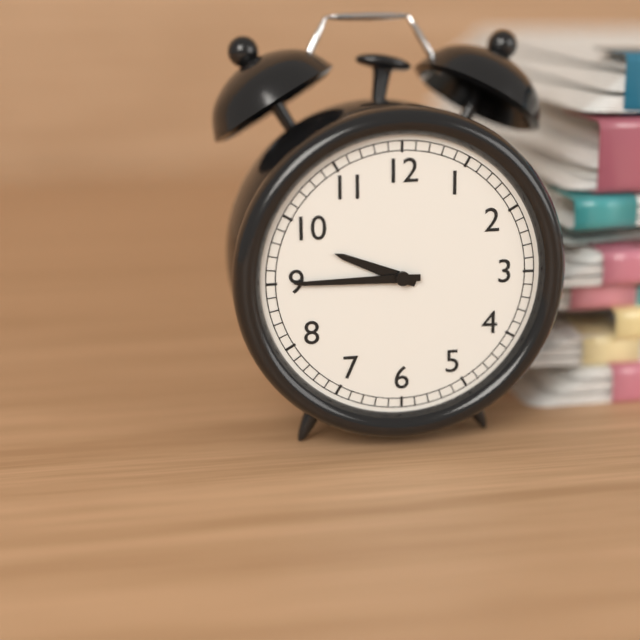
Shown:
9.45
